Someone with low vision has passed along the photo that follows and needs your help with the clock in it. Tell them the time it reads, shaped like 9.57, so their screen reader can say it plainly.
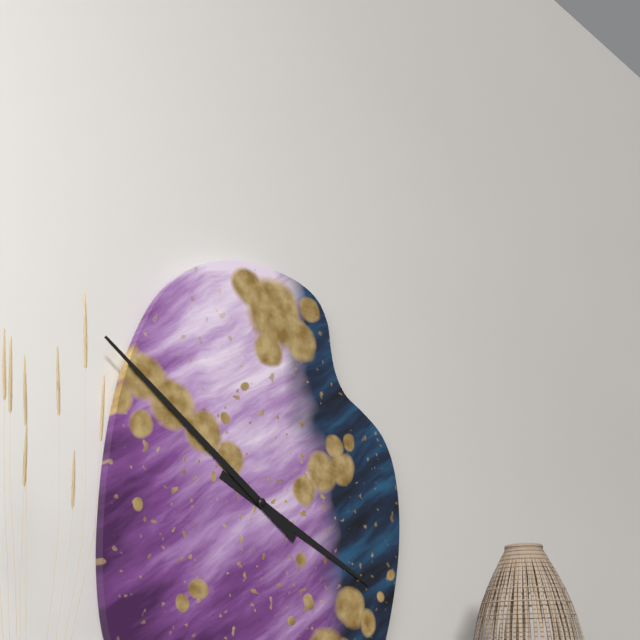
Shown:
3.51
